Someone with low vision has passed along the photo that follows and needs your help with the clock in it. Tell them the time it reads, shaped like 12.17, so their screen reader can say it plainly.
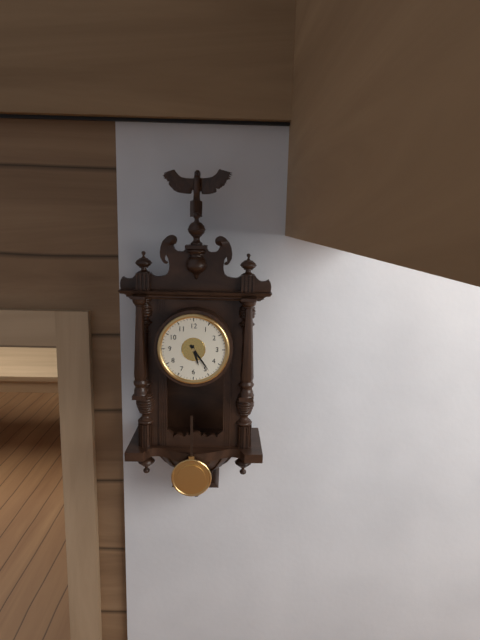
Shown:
5.24
